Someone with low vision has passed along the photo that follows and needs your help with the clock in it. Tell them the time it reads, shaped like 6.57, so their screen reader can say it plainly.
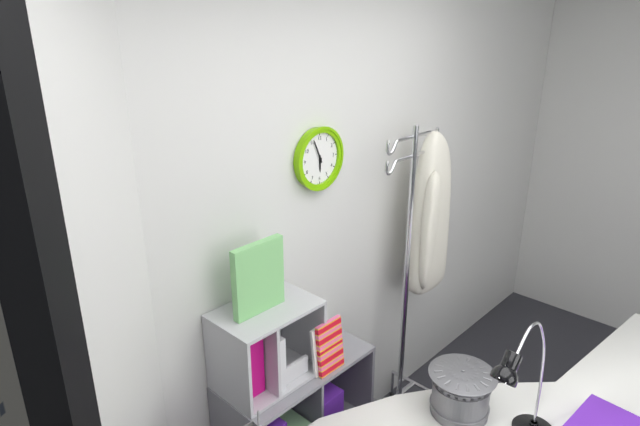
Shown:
5.56
